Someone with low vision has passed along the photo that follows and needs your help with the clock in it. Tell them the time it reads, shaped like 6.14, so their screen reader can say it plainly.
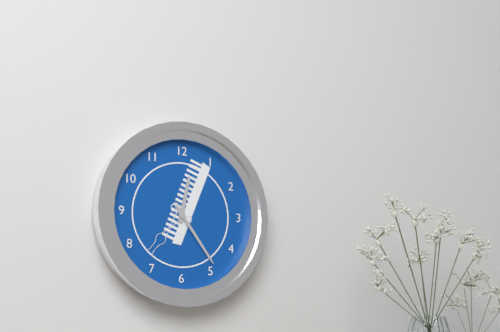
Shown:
12.24
